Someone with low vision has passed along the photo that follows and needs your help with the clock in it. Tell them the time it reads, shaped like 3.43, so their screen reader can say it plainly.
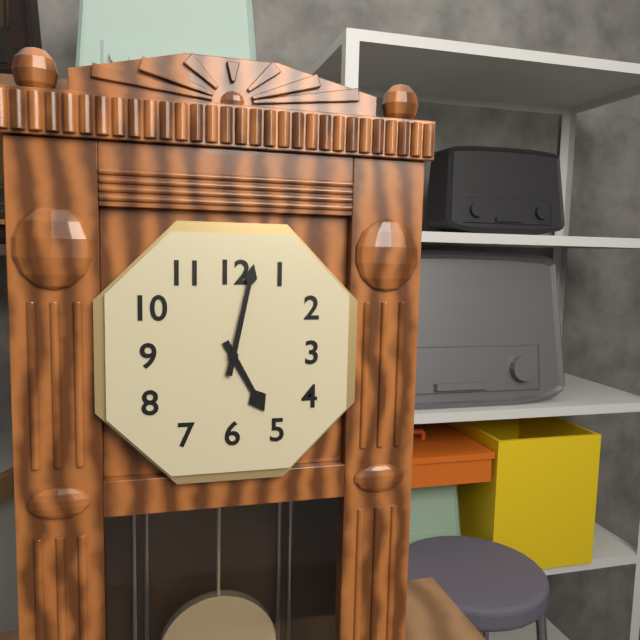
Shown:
5.02
